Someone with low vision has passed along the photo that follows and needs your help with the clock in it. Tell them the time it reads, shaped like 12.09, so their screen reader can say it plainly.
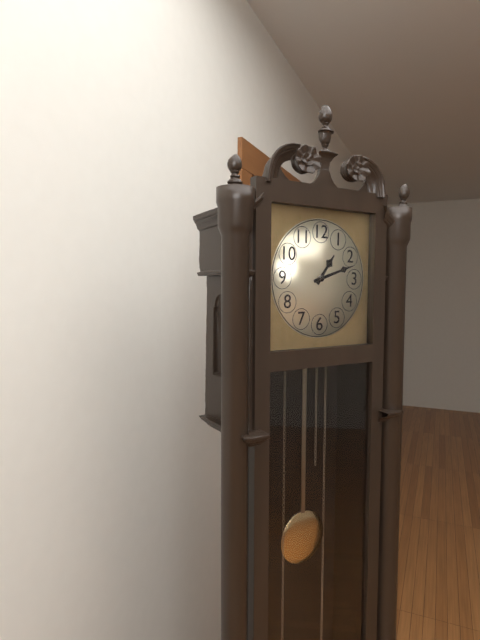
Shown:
1.12
